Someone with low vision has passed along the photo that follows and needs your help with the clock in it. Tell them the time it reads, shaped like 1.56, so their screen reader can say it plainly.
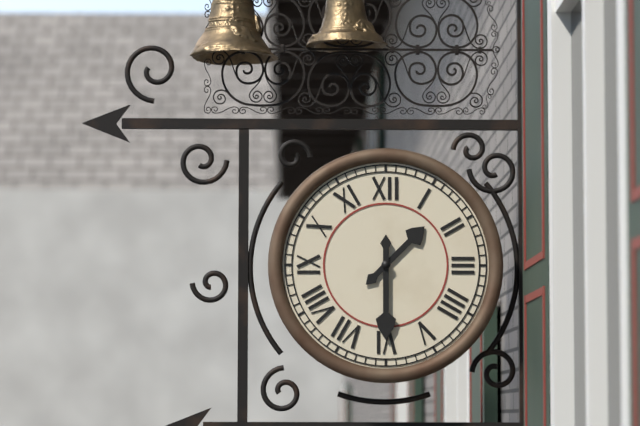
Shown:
1.30
